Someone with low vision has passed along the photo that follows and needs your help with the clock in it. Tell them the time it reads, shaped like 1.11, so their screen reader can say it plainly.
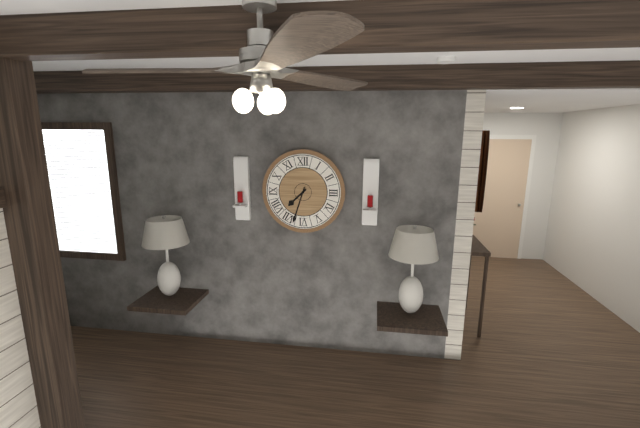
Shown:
7.33
